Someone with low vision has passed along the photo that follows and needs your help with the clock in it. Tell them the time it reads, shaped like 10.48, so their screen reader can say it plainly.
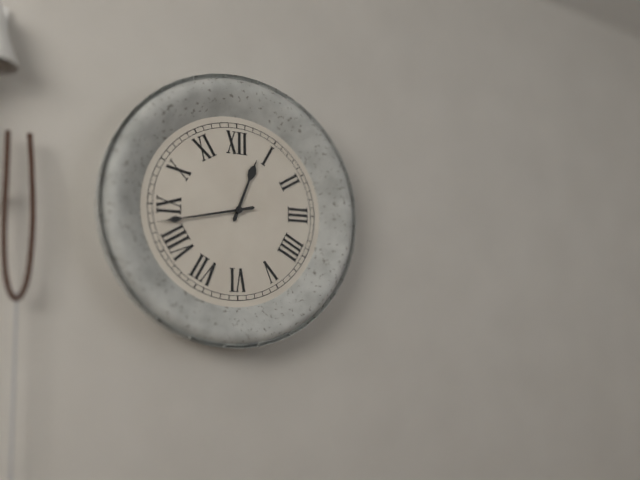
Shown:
12.43
